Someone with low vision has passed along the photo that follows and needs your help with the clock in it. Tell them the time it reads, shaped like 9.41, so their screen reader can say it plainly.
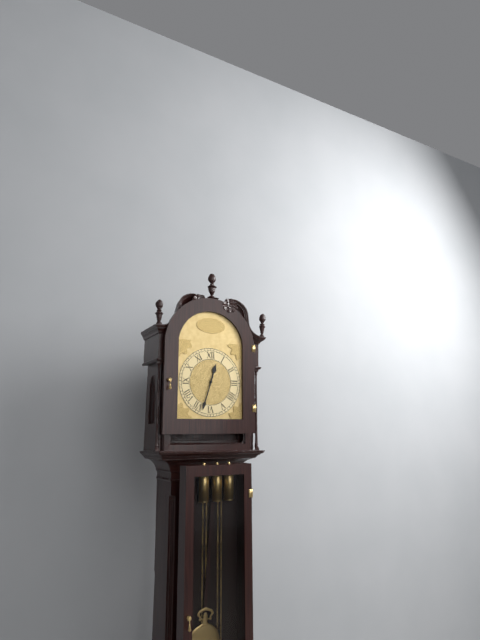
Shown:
12.33
